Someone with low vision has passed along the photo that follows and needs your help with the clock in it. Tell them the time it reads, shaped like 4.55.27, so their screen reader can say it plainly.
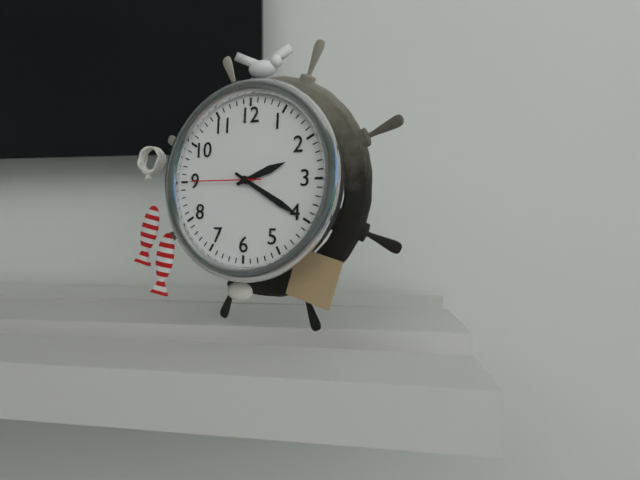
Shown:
2.20.45
